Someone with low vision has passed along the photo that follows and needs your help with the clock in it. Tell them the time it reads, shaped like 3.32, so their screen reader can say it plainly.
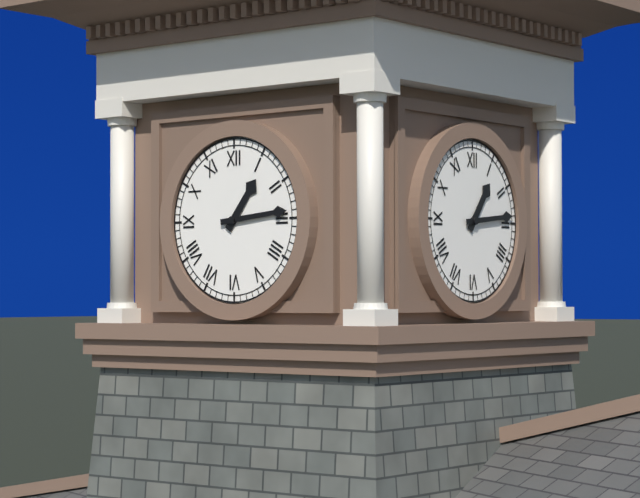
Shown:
1.14
